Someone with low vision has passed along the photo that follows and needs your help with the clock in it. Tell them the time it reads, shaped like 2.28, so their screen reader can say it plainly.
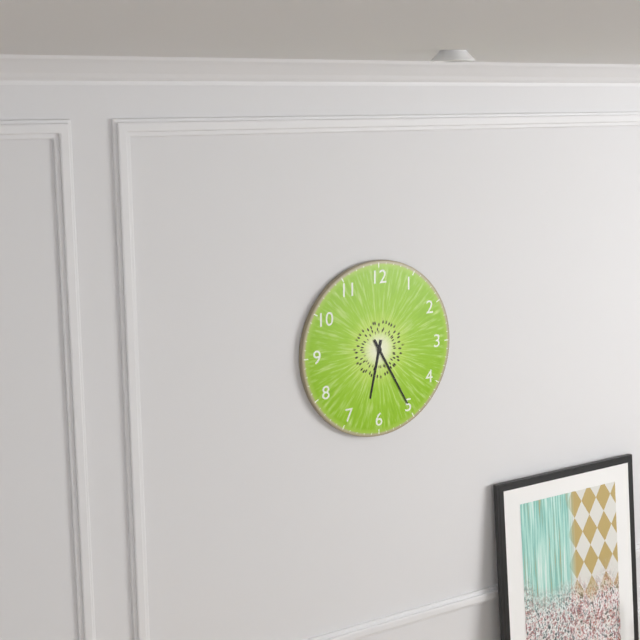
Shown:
6.25
